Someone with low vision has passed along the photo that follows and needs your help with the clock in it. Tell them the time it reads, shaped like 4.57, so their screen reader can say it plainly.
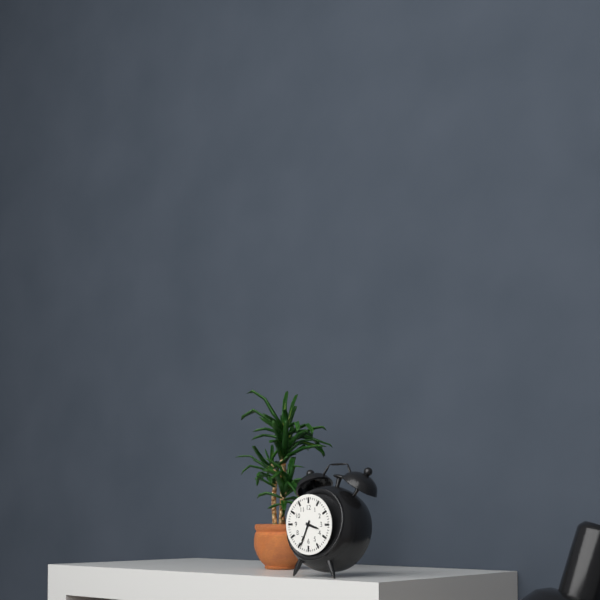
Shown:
3.34
